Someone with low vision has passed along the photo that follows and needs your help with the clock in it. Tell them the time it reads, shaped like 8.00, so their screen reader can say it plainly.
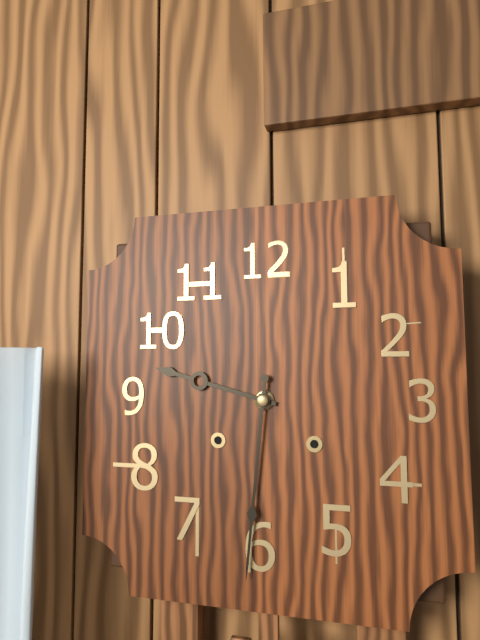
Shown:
9.31
